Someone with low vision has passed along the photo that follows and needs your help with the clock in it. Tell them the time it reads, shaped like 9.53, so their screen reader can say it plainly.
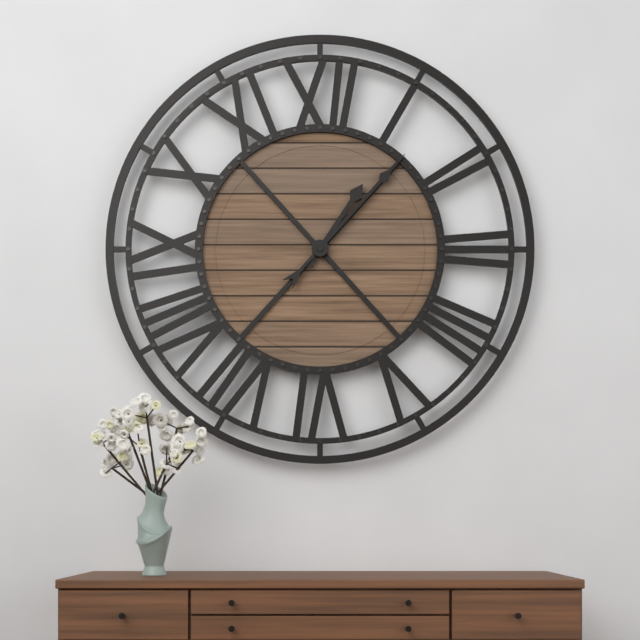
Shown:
1.07
